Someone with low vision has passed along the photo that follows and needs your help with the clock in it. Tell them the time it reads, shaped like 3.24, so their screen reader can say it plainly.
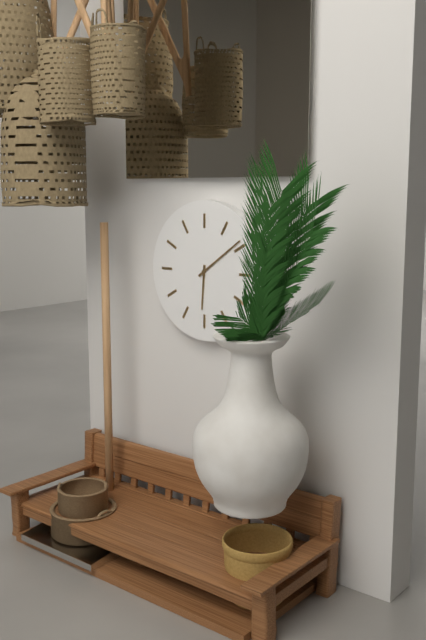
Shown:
6.09
